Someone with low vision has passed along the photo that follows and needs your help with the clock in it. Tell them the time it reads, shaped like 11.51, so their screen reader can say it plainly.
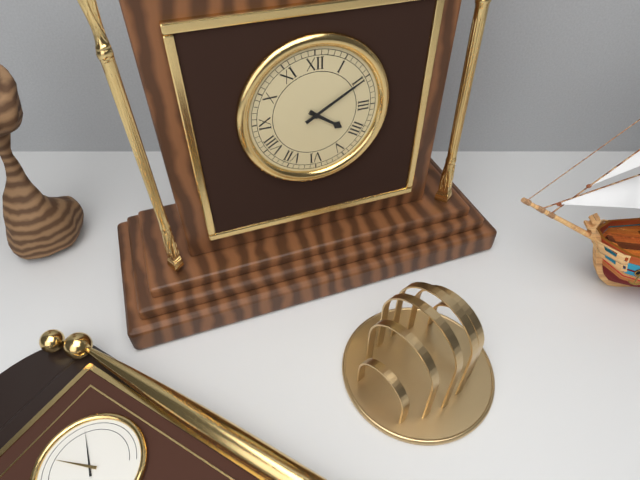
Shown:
4.10
